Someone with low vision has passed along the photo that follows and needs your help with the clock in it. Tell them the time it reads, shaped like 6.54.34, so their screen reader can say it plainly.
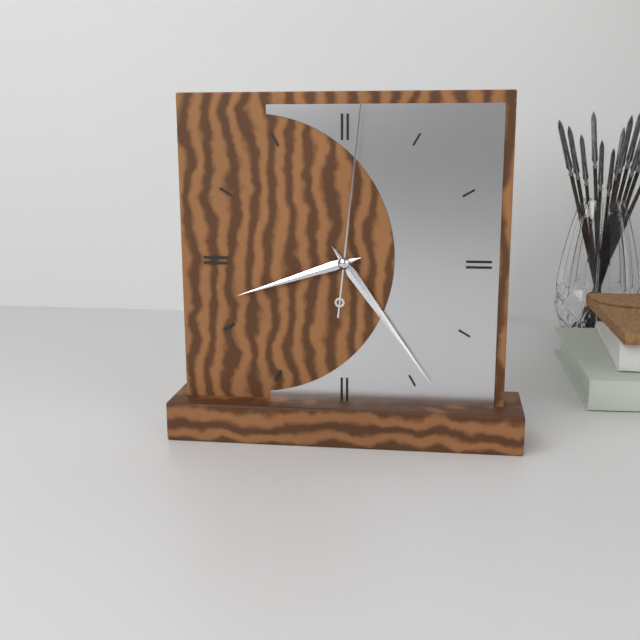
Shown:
8.24.01
